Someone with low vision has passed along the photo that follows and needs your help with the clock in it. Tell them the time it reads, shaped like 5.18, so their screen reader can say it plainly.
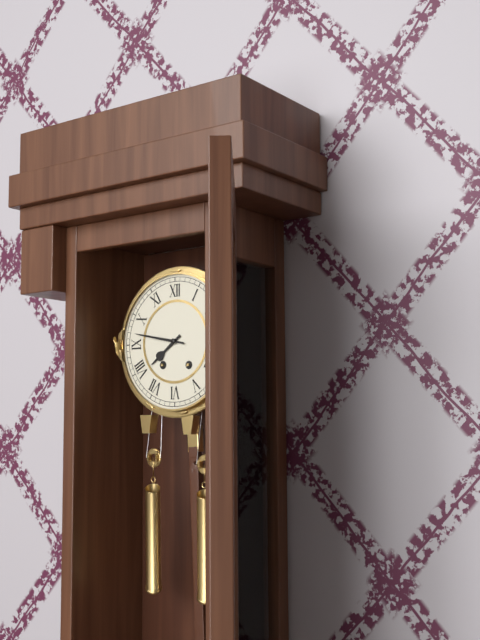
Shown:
7.47
